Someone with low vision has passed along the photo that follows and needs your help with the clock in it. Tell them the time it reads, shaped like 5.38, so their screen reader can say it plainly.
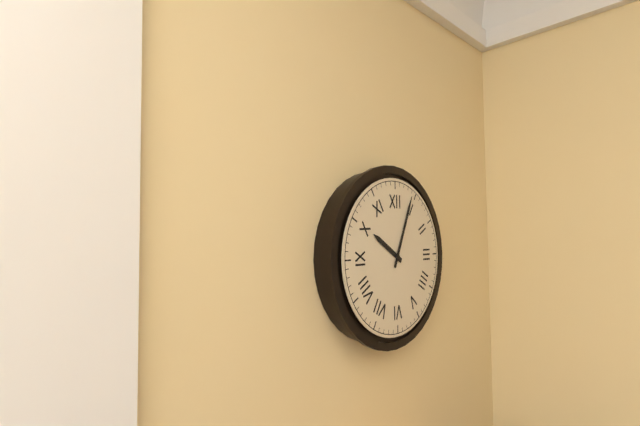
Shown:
10.04
